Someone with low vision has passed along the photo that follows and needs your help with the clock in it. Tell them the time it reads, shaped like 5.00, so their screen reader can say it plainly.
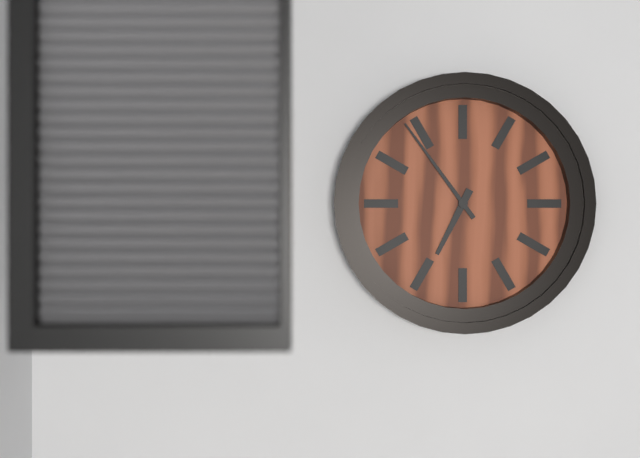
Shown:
6.54
